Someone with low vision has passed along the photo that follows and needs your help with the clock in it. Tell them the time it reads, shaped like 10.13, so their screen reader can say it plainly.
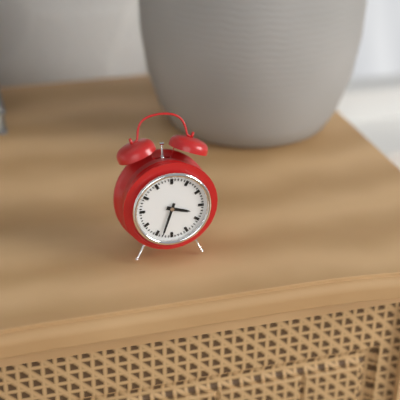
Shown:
3.33
